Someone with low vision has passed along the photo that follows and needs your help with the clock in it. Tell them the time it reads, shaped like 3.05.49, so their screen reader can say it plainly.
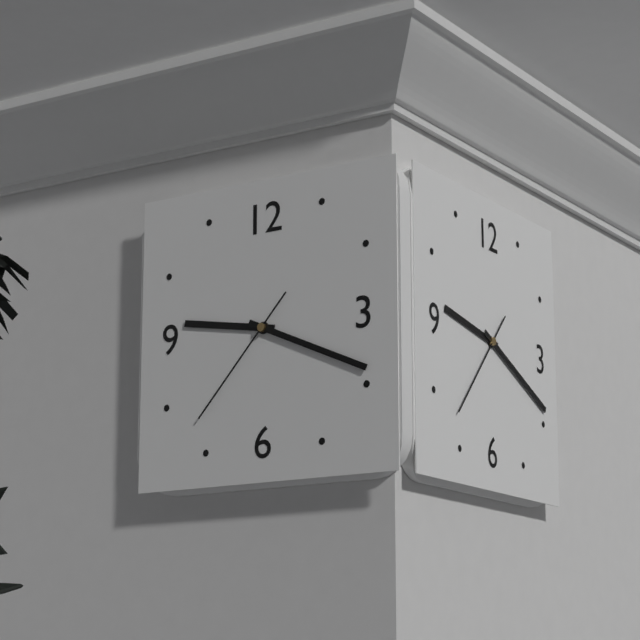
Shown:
9.19.37
